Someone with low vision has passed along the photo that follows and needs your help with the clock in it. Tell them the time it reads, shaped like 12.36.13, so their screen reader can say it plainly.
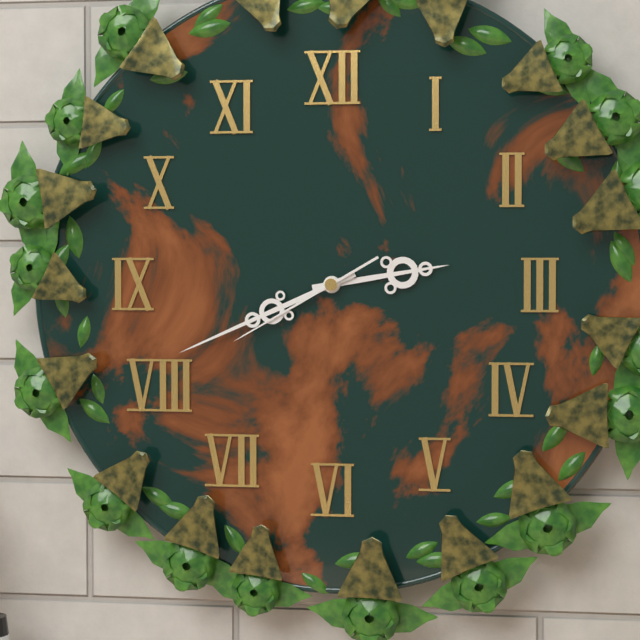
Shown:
2.41.40
